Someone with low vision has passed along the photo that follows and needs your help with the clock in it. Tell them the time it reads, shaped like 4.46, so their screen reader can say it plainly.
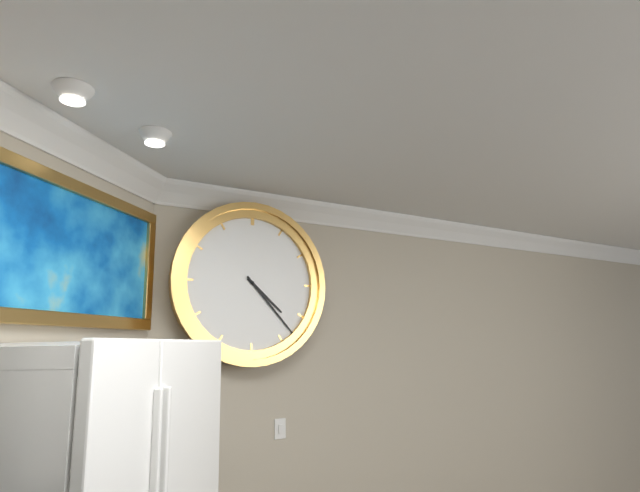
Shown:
4.23
